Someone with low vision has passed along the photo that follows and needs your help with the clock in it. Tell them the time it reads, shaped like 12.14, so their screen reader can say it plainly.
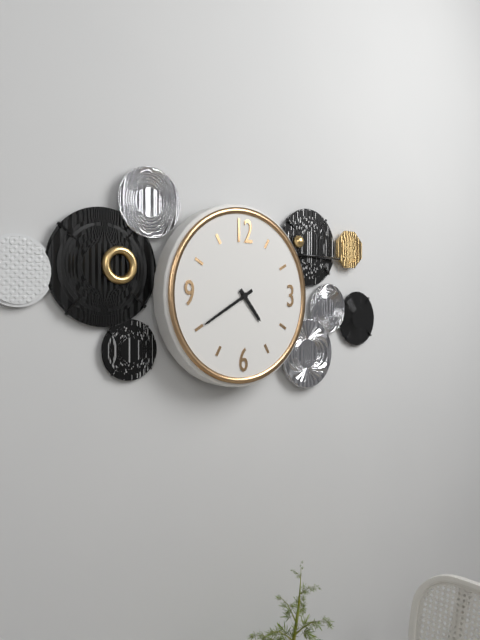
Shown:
4.40
